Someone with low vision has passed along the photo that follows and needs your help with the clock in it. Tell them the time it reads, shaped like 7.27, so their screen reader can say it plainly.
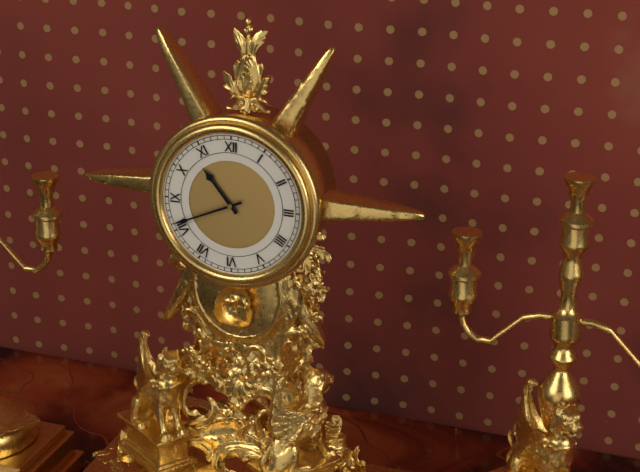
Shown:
10.41
